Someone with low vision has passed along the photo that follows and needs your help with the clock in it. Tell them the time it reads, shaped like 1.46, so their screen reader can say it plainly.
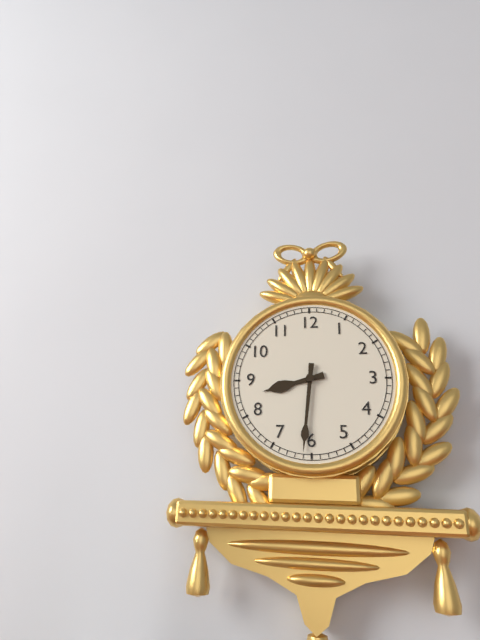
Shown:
8.31
